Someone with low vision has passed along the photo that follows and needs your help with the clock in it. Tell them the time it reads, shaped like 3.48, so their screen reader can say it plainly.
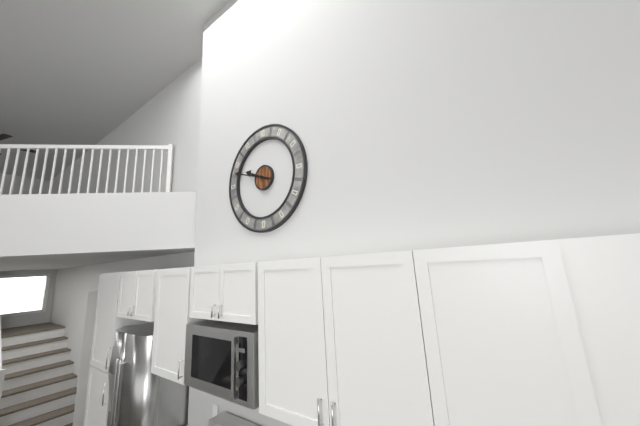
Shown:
9.48
